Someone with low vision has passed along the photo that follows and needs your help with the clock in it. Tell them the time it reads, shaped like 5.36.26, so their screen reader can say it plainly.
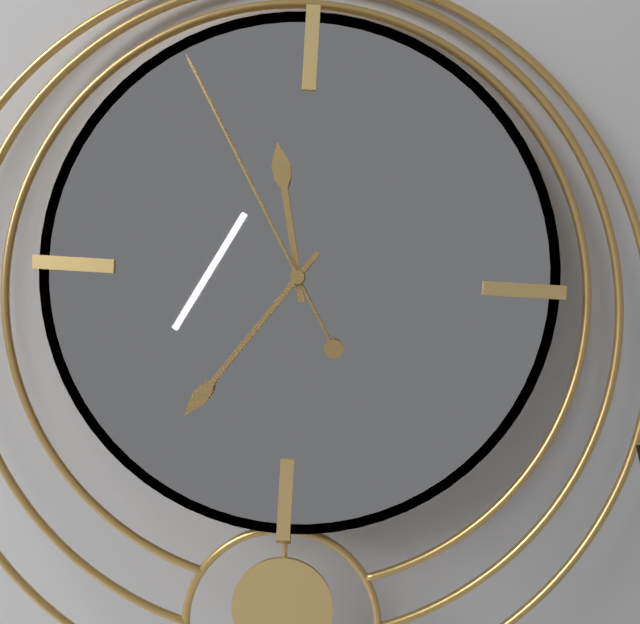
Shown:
11.36.55
